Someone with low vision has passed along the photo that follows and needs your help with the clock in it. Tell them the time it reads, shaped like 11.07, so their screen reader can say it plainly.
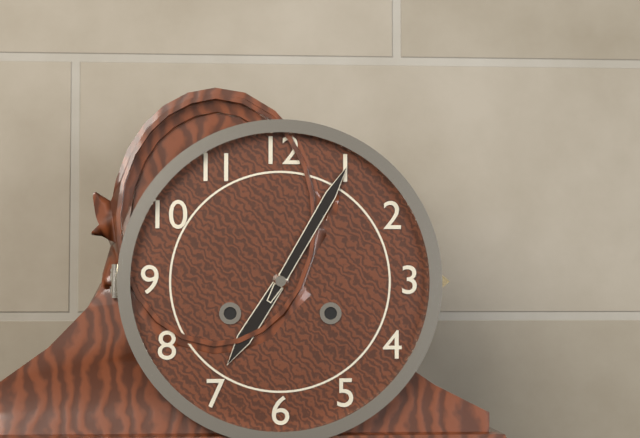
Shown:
7.05
